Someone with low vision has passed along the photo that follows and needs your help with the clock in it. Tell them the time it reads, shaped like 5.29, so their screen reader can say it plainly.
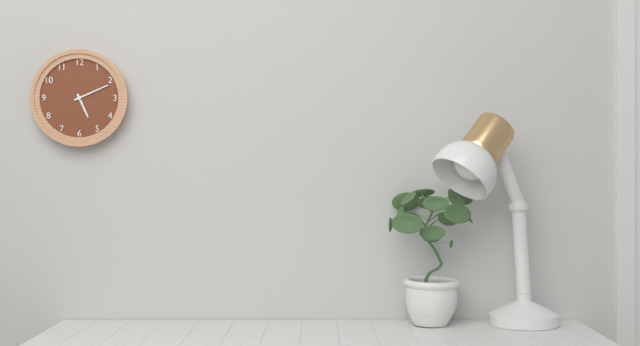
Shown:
5.11
